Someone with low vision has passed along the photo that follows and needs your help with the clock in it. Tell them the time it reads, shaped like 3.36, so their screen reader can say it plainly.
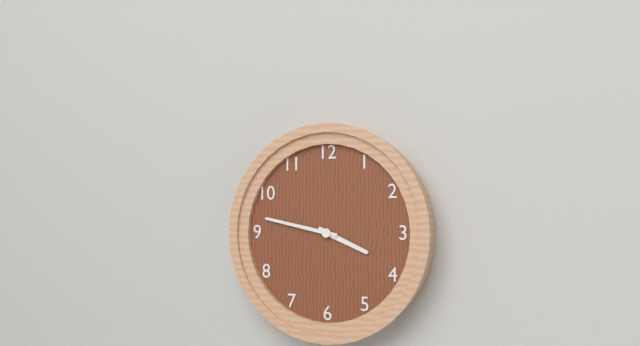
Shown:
3.47
